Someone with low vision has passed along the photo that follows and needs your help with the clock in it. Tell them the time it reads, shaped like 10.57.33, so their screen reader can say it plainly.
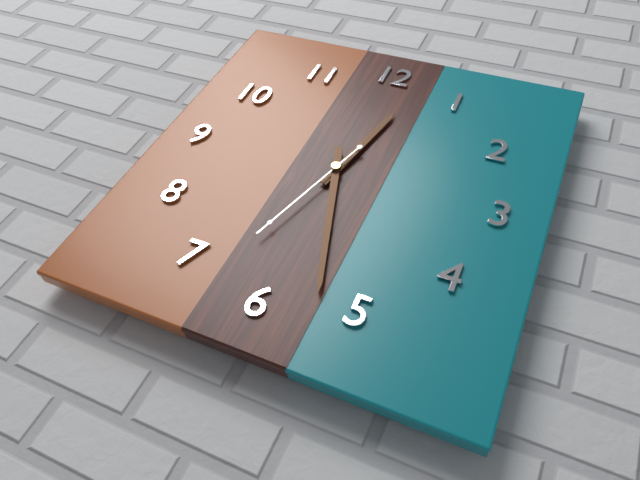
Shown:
12.27.33
